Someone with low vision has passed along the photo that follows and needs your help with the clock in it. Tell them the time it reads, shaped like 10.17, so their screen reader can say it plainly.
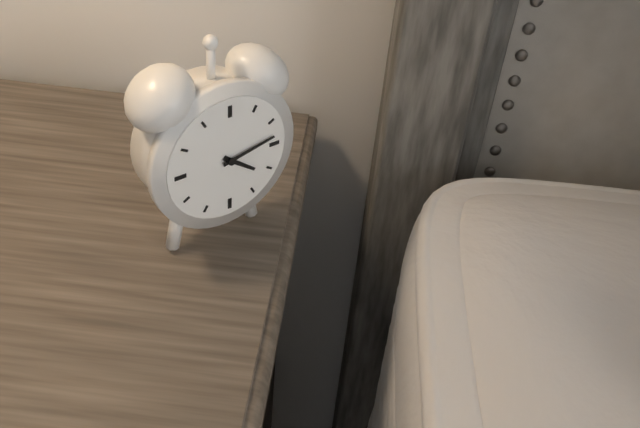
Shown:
4.13
